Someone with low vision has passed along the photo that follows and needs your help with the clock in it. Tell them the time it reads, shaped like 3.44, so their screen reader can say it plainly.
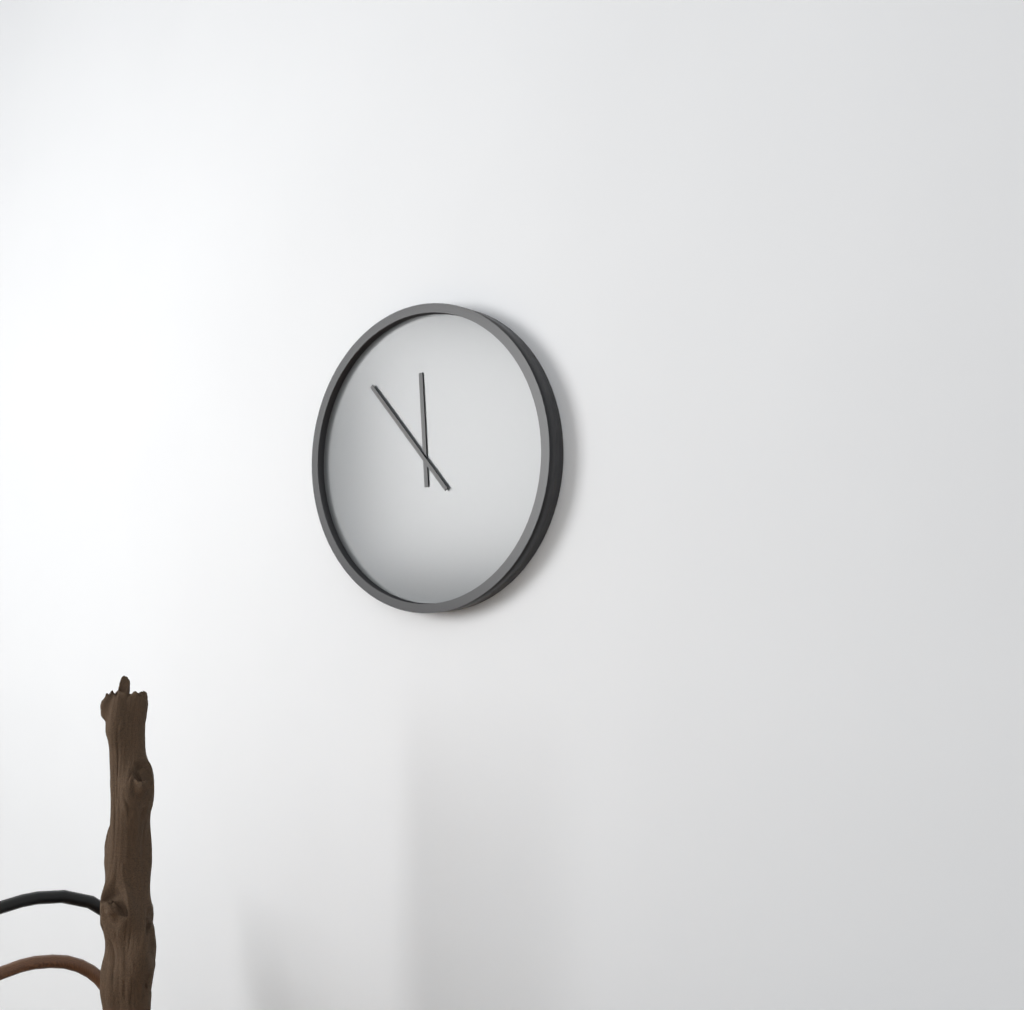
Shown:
11.53
